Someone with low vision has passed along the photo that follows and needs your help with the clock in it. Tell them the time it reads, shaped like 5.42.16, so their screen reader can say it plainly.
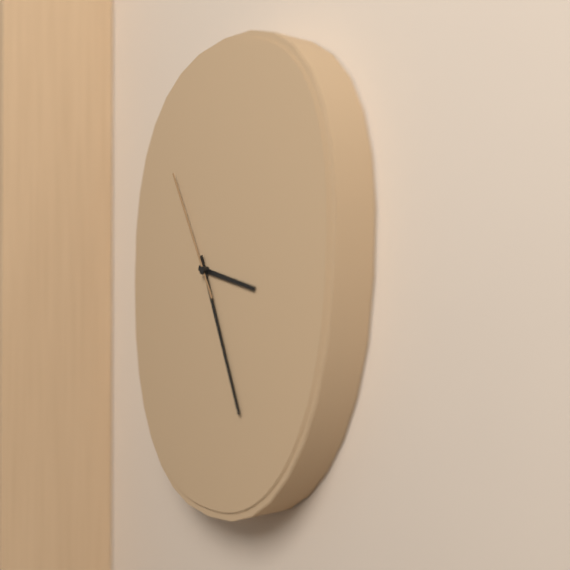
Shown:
3.26.55
